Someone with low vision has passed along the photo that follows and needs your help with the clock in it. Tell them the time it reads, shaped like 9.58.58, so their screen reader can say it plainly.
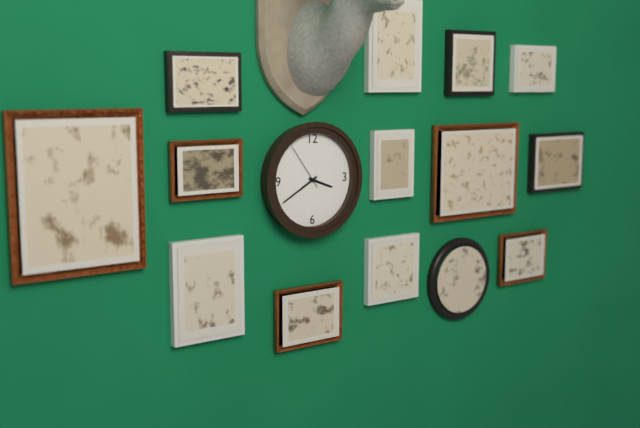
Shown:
3.40.54
